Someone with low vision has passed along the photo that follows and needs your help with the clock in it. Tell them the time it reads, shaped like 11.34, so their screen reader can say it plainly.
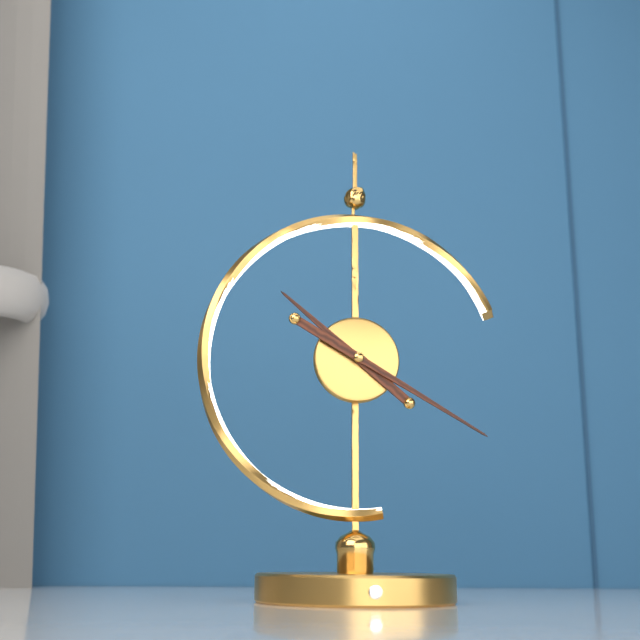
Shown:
10.20
